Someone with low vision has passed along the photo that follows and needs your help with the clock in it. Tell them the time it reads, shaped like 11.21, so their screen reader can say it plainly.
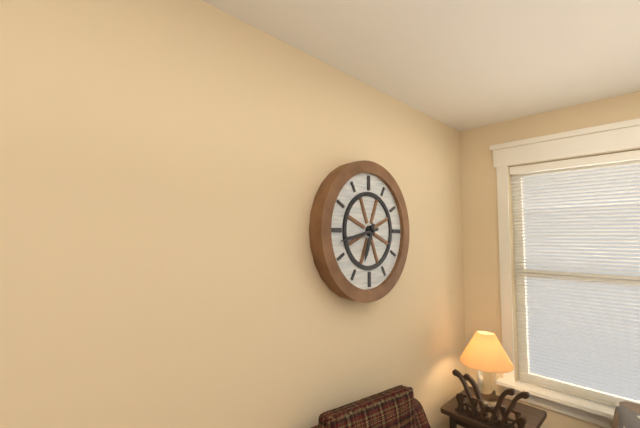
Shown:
6.43
